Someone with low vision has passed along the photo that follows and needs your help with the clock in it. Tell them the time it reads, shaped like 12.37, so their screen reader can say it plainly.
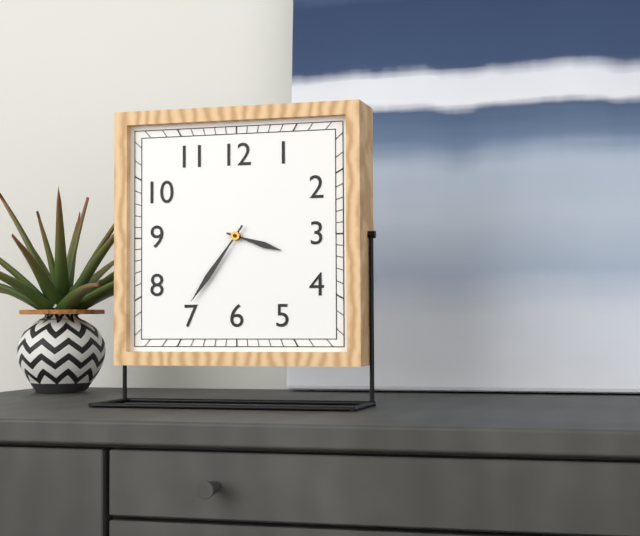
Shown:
3.36
